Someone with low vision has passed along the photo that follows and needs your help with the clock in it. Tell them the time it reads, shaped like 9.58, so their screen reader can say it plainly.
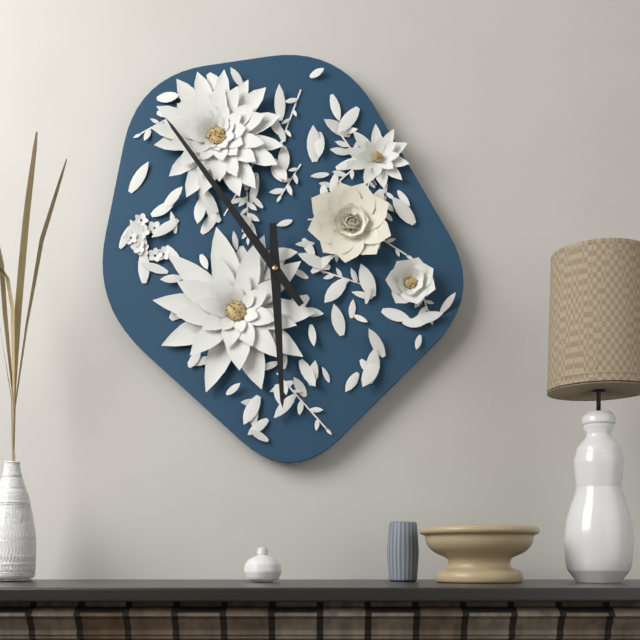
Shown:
5.54
